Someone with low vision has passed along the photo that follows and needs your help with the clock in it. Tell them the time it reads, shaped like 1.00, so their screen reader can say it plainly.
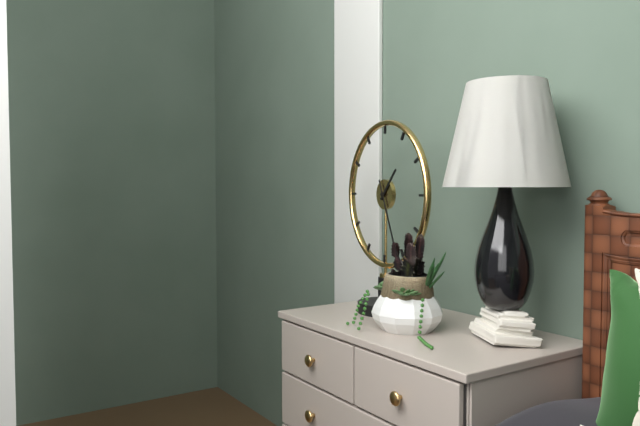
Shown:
1.26
